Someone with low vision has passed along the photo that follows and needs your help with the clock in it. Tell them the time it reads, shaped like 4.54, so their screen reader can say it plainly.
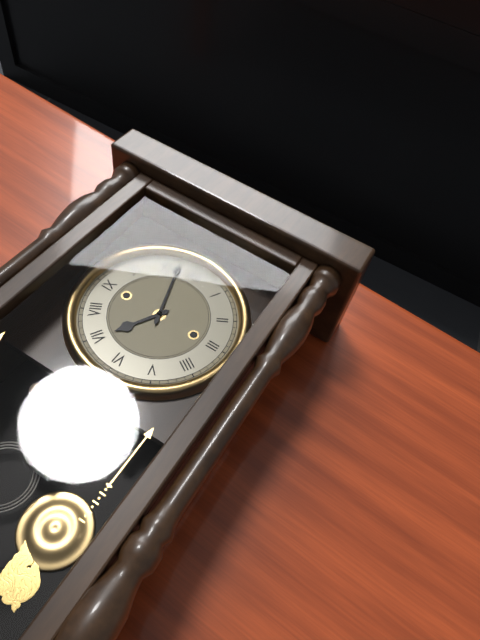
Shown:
6.57
